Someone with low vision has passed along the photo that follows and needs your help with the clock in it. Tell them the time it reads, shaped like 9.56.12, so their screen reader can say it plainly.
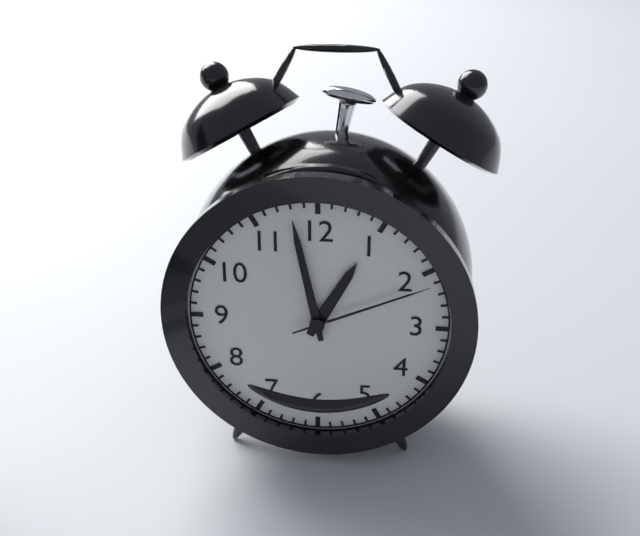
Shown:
12.58.11
